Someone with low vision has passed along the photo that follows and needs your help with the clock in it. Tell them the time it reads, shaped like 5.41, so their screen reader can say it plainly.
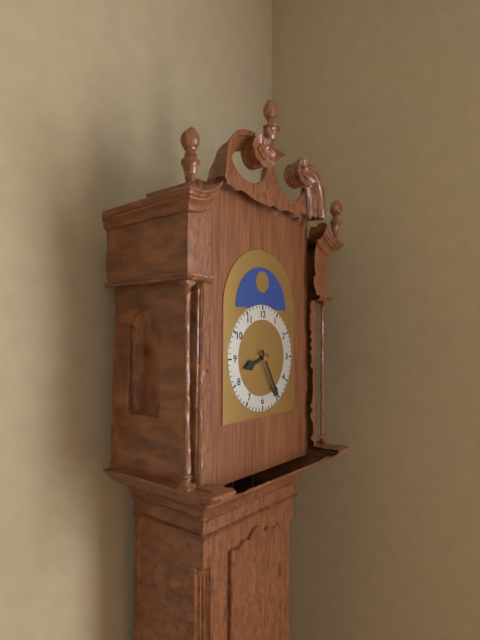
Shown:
8.25
